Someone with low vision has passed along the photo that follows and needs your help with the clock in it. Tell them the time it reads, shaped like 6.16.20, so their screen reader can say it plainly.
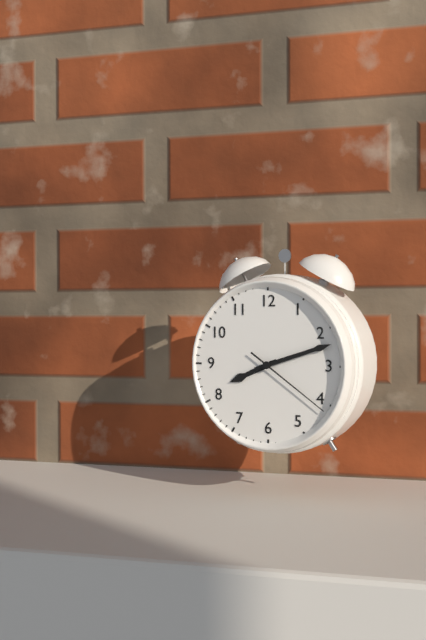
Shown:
8.12.21
